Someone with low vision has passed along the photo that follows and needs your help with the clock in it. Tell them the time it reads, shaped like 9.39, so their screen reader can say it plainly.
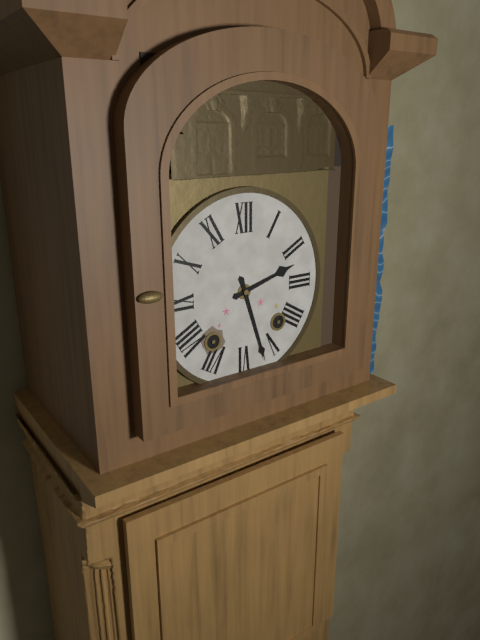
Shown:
2.27
